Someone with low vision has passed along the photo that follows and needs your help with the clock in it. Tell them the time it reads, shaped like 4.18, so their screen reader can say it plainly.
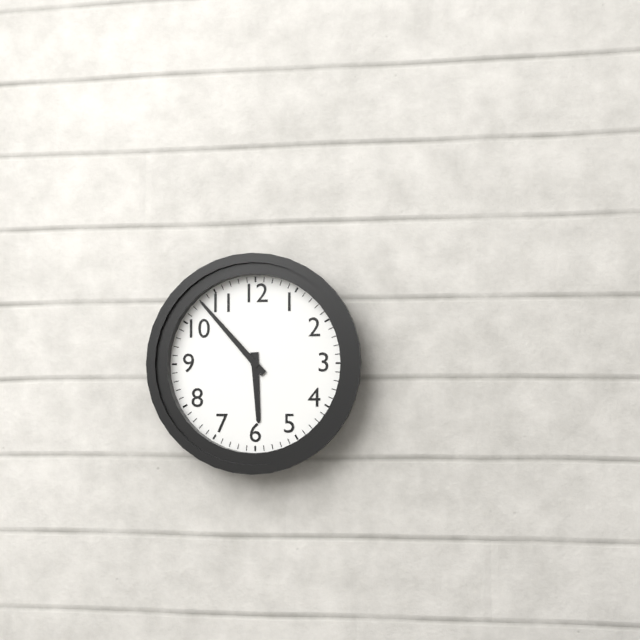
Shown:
5.53
